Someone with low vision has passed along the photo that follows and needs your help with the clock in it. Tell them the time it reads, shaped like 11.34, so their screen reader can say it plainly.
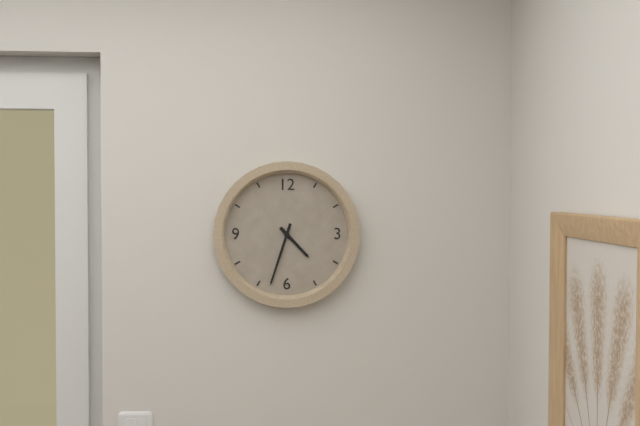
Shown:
4.33
